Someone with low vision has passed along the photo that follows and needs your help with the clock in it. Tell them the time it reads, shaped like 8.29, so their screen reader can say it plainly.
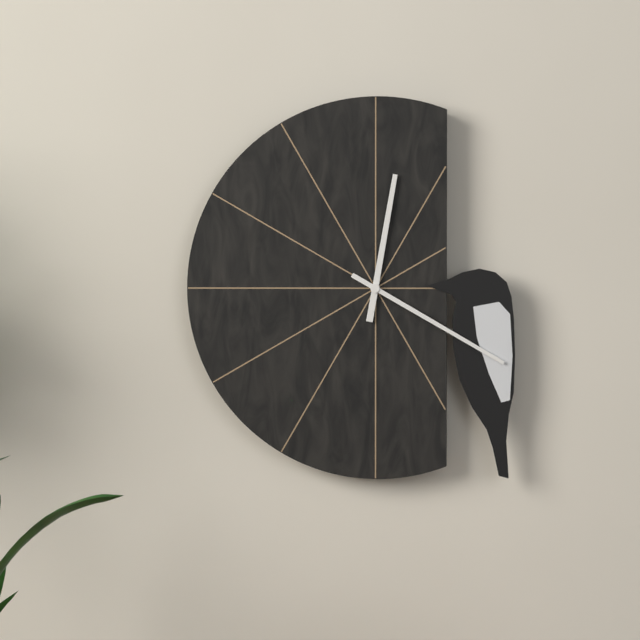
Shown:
12.20
